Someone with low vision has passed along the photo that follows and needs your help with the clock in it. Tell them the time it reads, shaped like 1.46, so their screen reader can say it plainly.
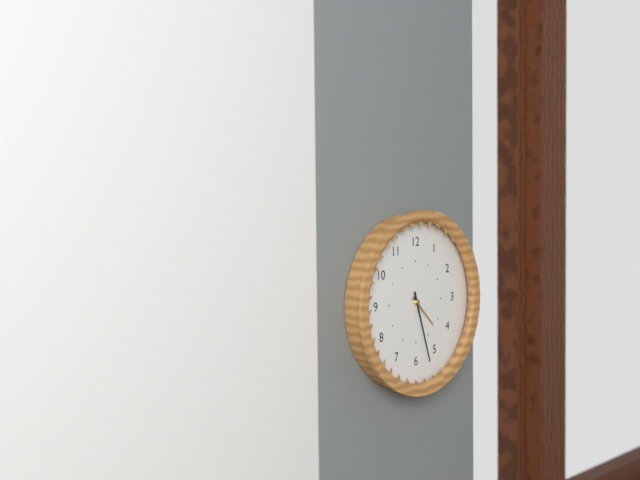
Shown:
4.27
